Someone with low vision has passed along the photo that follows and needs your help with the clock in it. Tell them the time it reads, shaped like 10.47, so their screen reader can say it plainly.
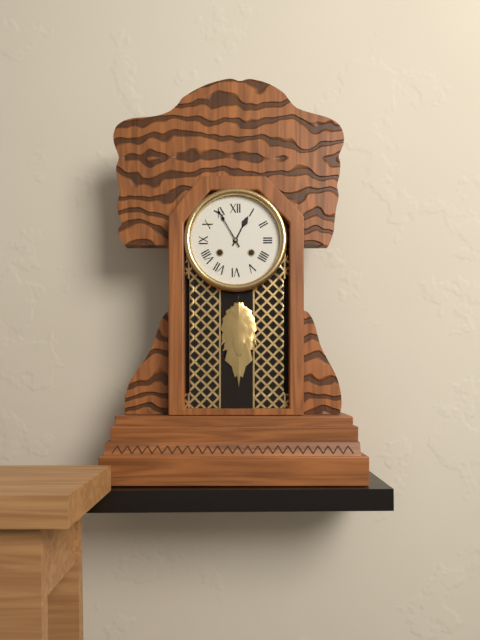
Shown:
12.55
